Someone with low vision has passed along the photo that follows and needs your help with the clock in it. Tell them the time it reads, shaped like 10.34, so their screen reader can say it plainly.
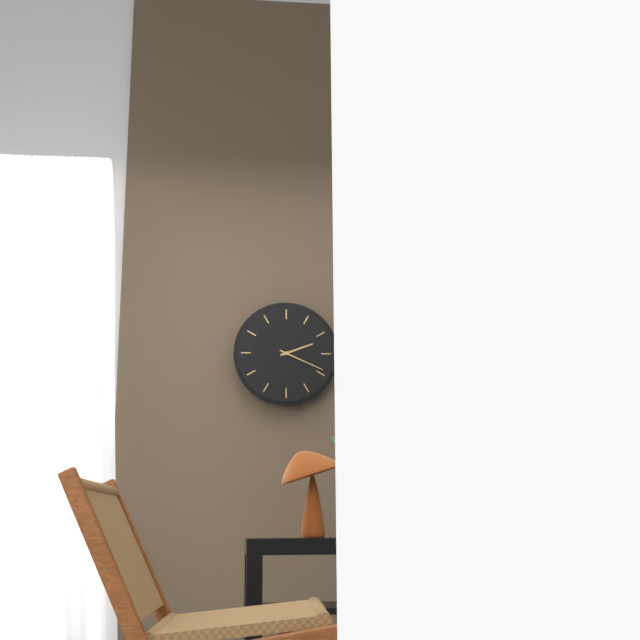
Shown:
2.19
